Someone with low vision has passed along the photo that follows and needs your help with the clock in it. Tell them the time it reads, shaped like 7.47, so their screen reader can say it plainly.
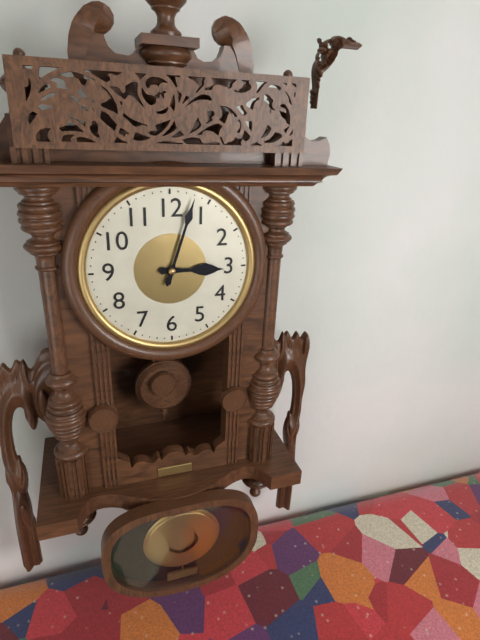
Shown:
3.03
